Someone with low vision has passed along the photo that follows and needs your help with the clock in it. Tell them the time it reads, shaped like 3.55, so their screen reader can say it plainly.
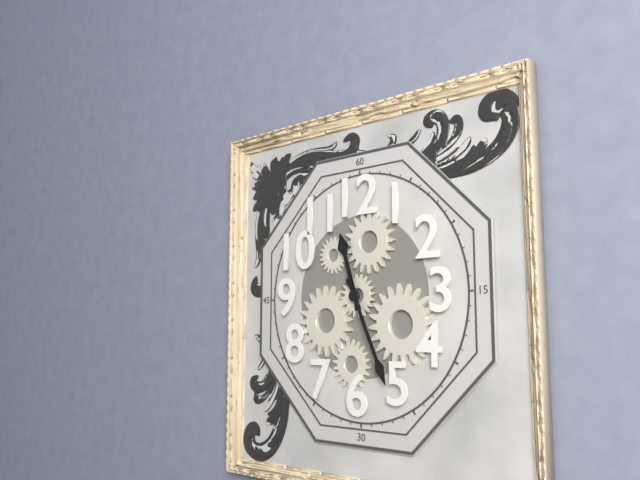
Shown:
11.26
